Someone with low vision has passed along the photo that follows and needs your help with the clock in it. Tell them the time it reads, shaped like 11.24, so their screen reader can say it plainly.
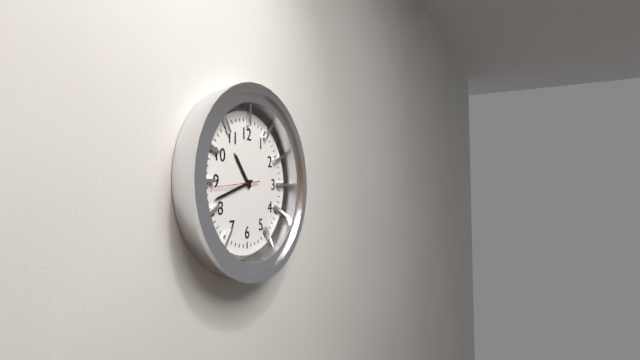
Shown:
10.42
